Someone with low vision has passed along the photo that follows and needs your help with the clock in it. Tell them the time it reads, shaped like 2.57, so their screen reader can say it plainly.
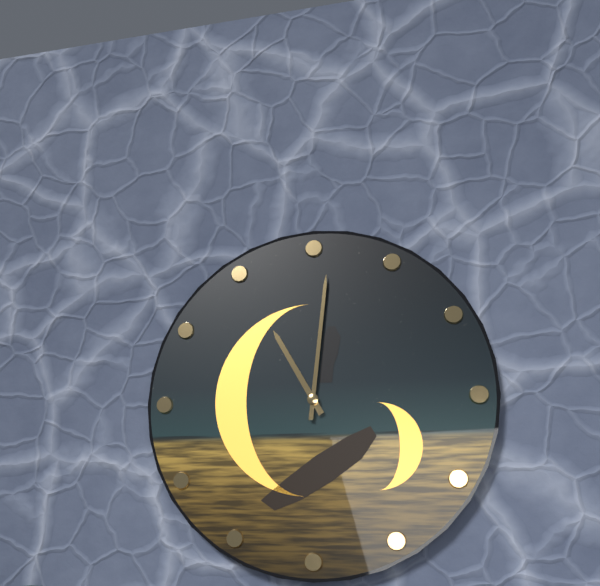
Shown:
11.01
